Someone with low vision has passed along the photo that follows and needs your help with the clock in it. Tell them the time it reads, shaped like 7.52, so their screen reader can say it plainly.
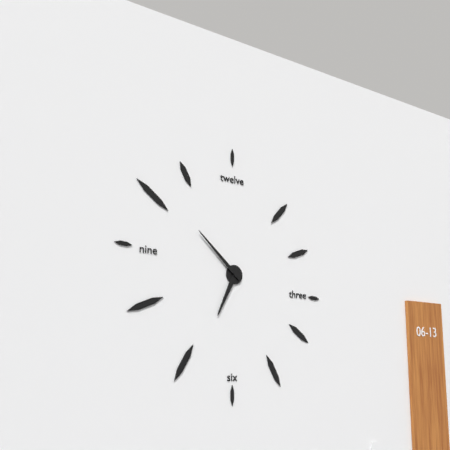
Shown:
6.52
